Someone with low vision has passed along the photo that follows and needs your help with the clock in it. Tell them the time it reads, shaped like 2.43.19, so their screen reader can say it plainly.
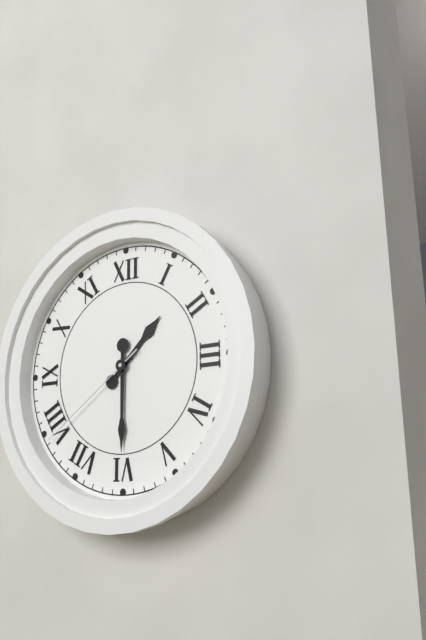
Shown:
1.30.39
